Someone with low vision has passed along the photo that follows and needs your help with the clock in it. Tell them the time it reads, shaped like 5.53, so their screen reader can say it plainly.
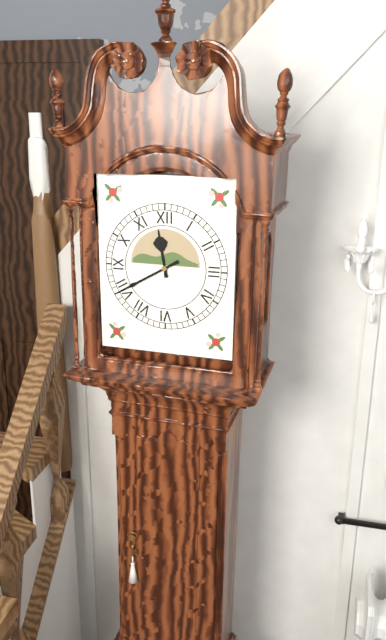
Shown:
11.40
